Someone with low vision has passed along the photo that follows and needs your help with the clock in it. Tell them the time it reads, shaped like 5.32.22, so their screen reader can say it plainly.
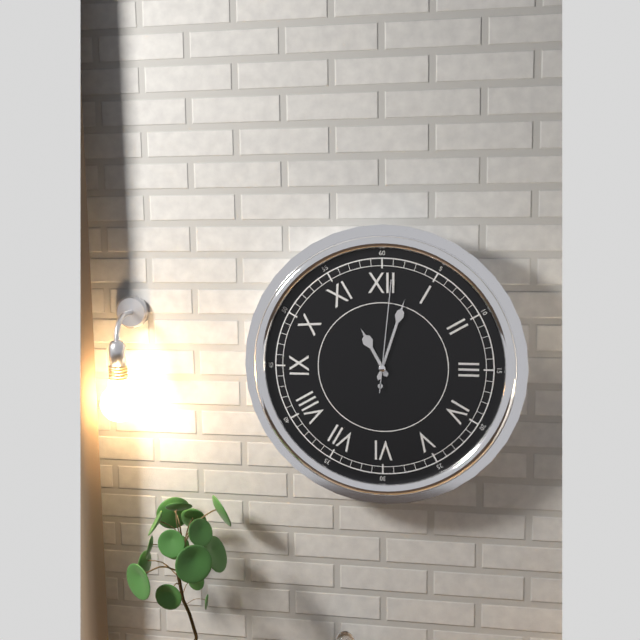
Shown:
11.03.01
